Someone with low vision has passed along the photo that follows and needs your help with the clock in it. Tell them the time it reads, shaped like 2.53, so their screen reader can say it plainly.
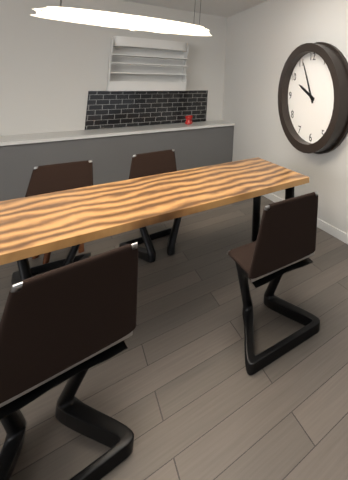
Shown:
9.56
